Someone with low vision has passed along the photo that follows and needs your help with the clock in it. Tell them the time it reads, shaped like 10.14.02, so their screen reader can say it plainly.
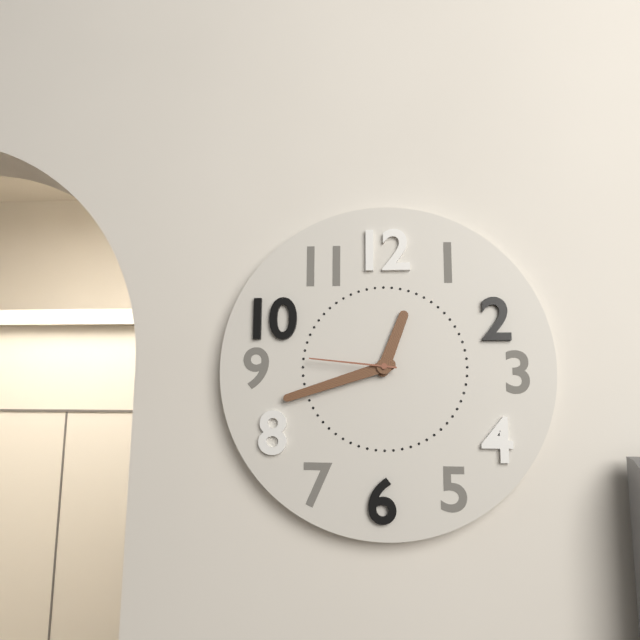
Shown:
12.42.46
